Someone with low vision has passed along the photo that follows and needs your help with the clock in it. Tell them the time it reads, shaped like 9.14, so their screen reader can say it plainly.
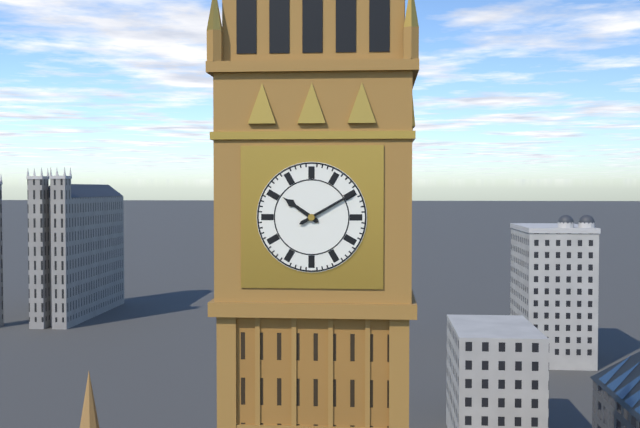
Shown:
10.10
